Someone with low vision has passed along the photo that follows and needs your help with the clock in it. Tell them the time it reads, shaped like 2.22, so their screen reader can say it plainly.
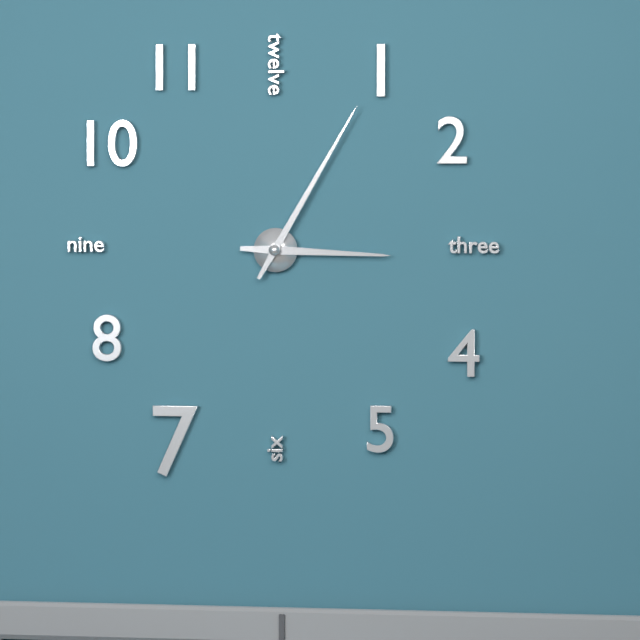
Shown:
3.05
